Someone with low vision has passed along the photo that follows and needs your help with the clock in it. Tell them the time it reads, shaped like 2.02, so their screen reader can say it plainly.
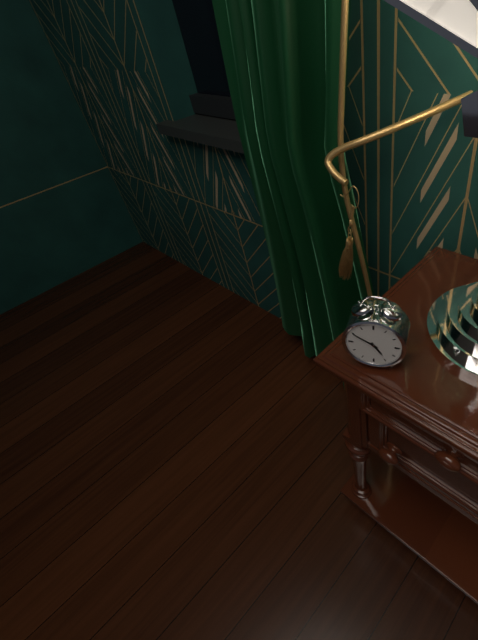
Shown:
4.50
